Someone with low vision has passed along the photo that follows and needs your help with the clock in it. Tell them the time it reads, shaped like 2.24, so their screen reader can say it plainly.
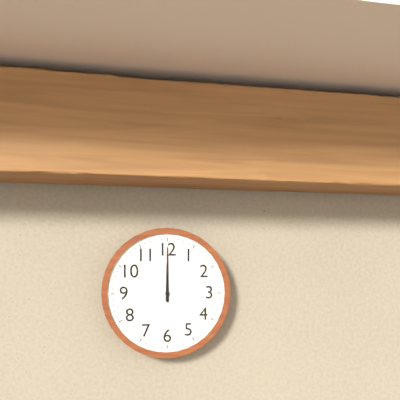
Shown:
12.00
